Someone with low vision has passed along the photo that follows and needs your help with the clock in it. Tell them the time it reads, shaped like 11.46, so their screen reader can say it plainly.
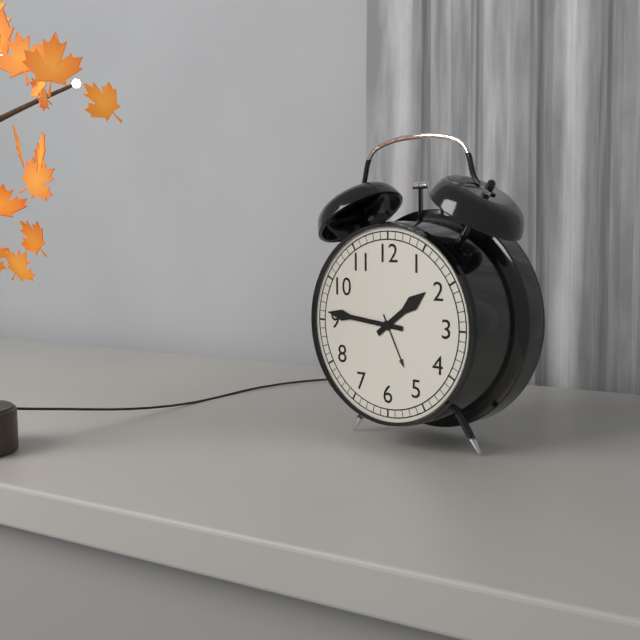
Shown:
1.46
